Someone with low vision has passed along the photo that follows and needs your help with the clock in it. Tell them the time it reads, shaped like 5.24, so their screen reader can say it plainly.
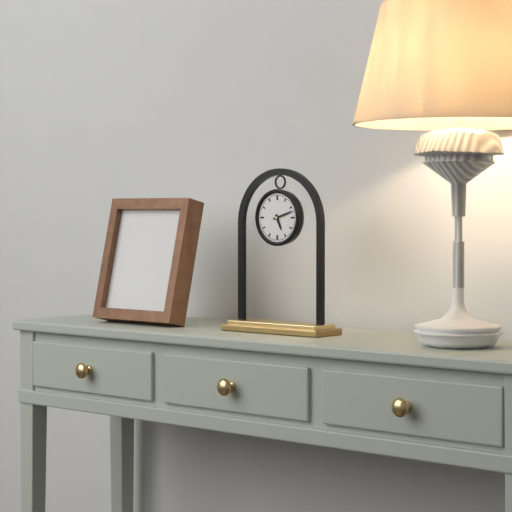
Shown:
5.12
